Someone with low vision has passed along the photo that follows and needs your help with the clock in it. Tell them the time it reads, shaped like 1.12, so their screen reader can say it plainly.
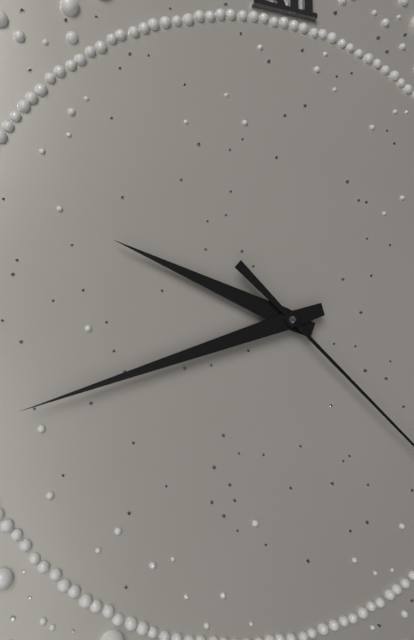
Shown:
9.42
